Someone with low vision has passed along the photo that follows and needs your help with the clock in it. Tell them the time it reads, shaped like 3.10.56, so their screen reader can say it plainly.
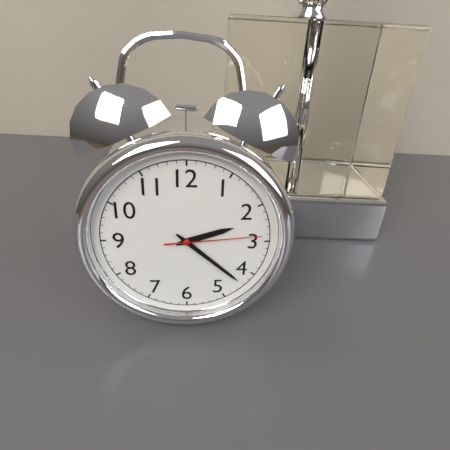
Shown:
2.22.14
